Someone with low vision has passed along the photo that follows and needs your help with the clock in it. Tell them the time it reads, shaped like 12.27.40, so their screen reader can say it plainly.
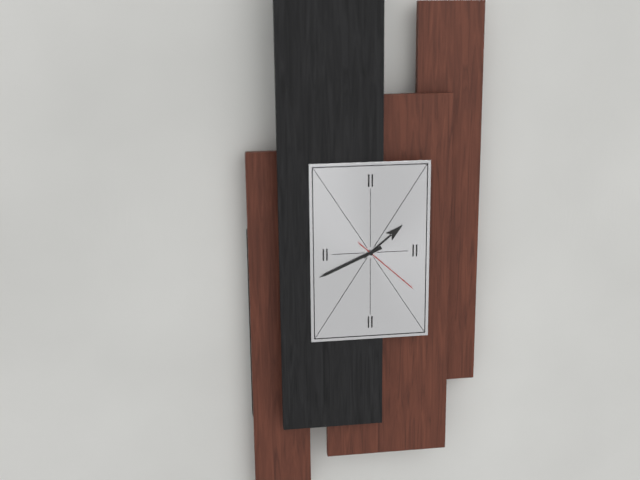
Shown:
1.41.22
